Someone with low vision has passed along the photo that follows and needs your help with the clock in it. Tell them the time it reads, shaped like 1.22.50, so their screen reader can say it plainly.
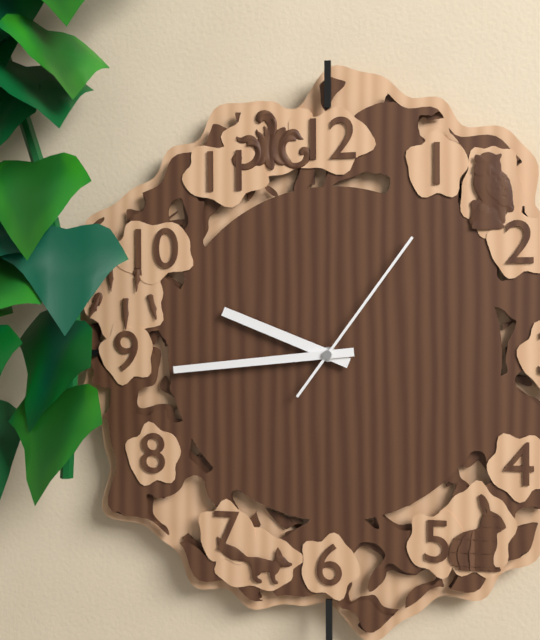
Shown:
9.44.06
